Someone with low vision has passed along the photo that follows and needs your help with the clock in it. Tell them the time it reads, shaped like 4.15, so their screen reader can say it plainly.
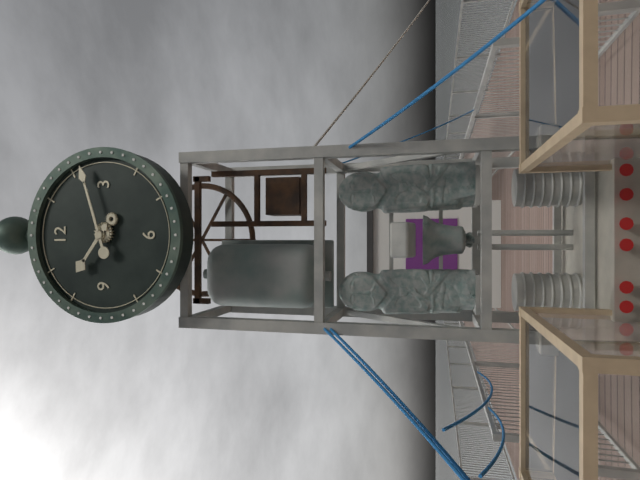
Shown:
10.12
